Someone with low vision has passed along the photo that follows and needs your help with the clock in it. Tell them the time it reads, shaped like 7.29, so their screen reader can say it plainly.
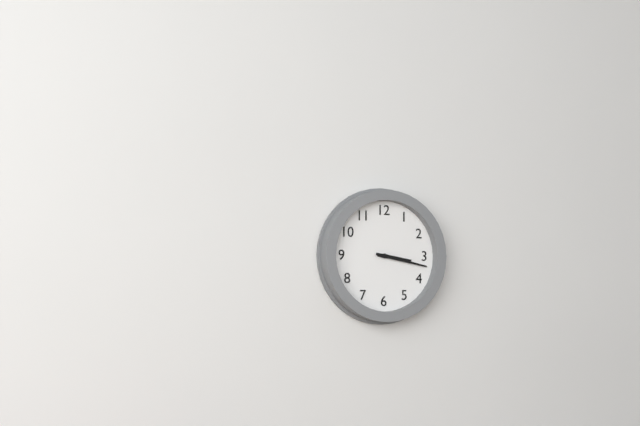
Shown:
3.17
